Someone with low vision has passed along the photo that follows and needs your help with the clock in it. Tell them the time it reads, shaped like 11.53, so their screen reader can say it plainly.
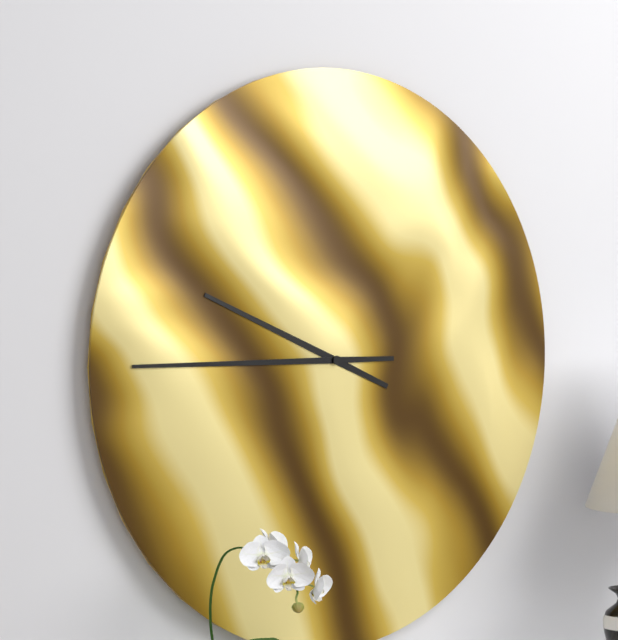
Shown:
9.45
